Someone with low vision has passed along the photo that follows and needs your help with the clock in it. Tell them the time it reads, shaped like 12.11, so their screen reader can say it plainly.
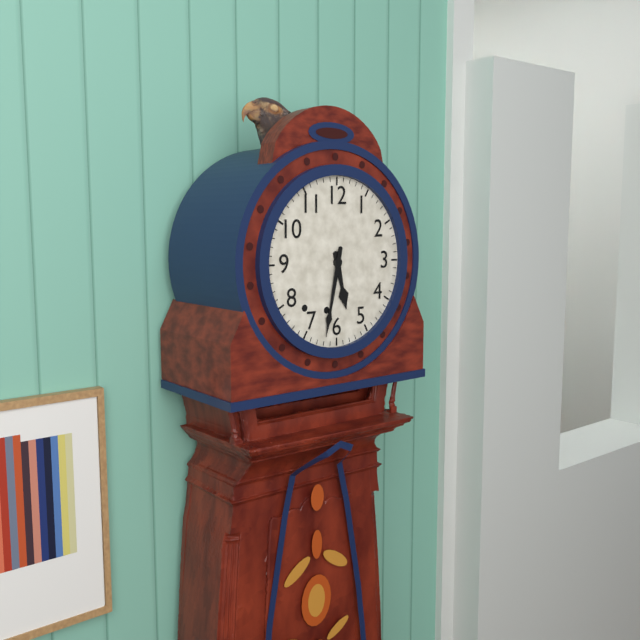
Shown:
5.32
